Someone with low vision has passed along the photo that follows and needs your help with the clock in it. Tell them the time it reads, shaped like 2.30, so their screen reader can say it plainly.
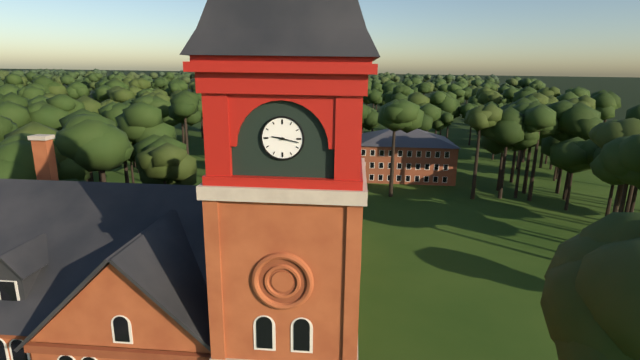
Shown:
9.17
